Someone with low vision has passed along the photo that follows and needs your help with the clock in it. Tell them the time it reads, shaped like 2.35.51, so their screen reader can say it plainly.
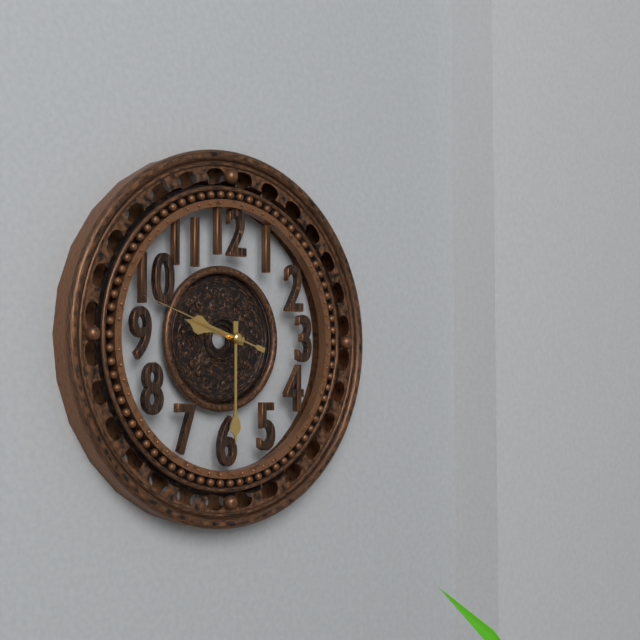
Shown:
9.30.48
